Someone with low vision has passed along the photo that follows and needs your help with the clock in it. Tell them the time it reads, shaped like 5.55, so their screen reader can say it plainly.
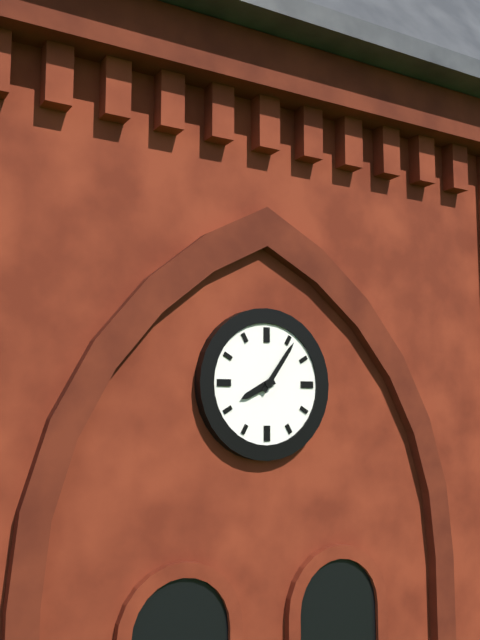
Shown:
8.06
